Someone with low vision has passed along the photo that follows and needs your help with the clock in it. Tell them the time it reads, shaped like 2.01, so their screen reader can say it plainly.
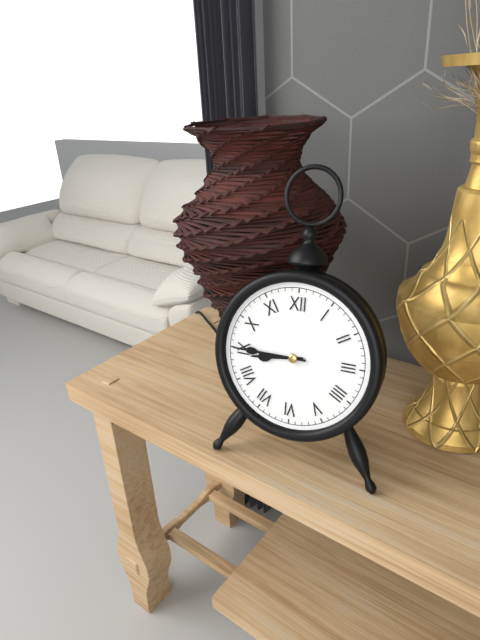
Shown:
8.45
